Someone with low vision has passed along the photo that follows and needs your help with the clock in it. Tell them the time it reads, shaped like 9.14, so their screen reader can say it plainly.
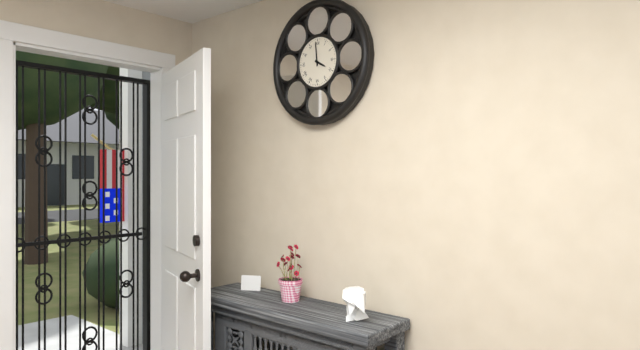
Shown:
3.59
